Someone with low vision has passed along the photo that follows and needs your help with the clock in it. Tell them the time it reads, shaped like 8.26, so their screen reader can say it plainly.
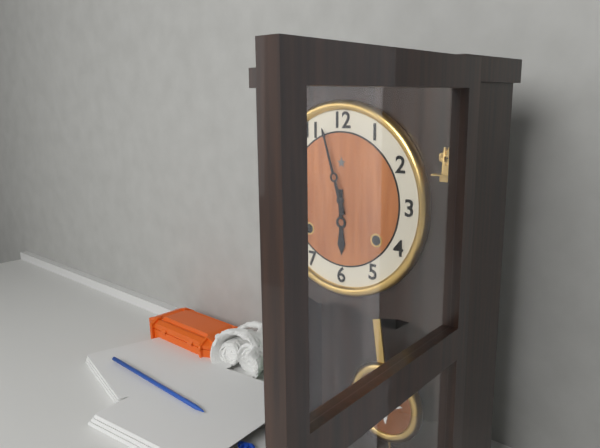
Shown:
5.57
